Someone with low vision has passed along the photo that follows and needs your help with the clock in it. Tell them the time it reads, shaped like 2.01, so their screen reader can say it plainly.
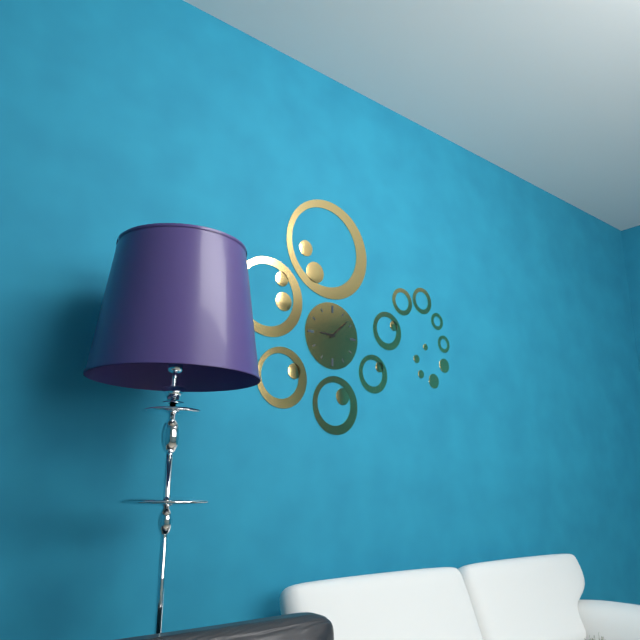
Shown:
9.08
